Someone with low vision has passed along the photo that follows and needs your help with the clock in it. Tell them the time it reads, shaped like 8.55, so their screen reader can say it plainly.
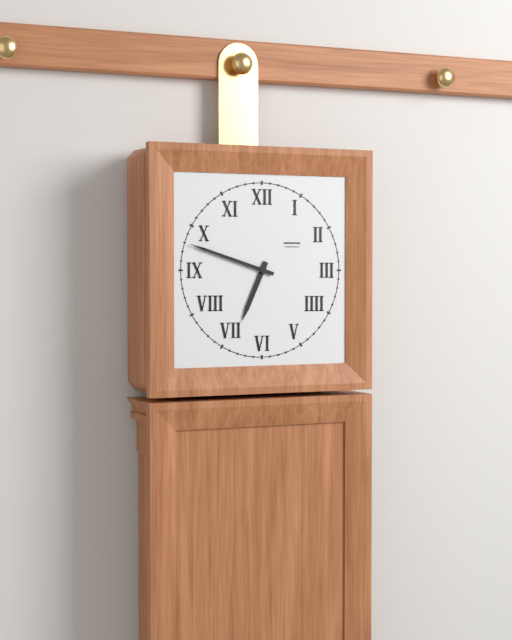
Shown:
6.48
